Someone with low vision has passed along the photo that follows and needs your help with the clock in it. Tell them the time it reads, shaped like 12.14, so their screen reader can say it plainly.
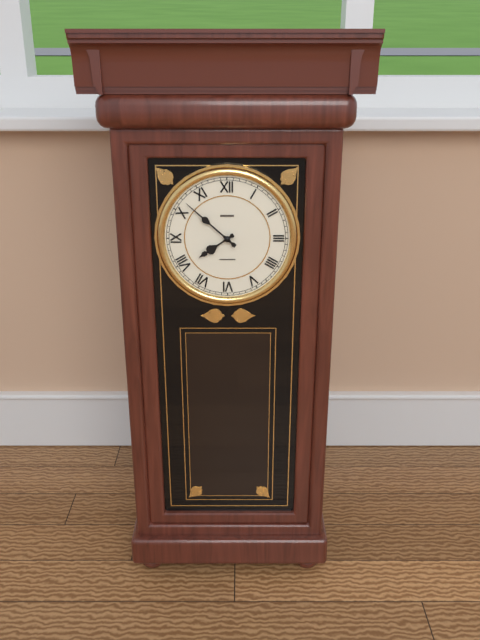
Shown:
7.52
